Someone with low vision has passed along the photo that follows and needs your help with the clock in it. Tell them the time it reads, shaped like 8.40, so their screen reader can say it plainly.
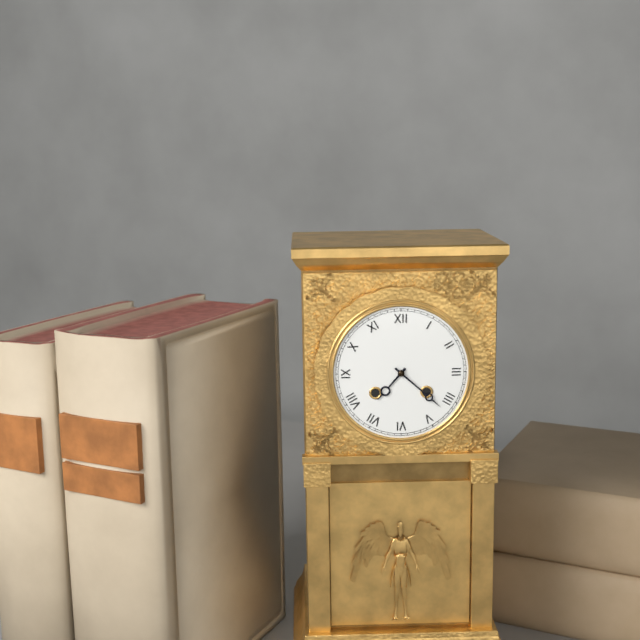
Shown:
7.22
